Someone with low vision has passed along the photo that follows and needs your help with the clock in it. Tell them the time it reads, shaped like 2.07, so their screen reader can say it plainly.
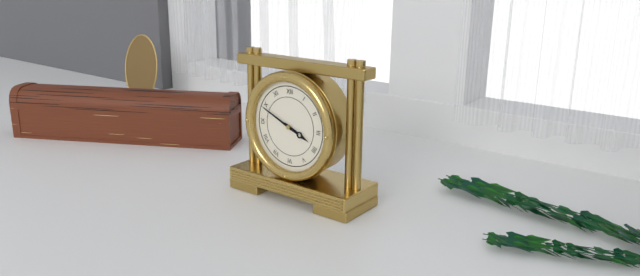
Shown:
3.49
